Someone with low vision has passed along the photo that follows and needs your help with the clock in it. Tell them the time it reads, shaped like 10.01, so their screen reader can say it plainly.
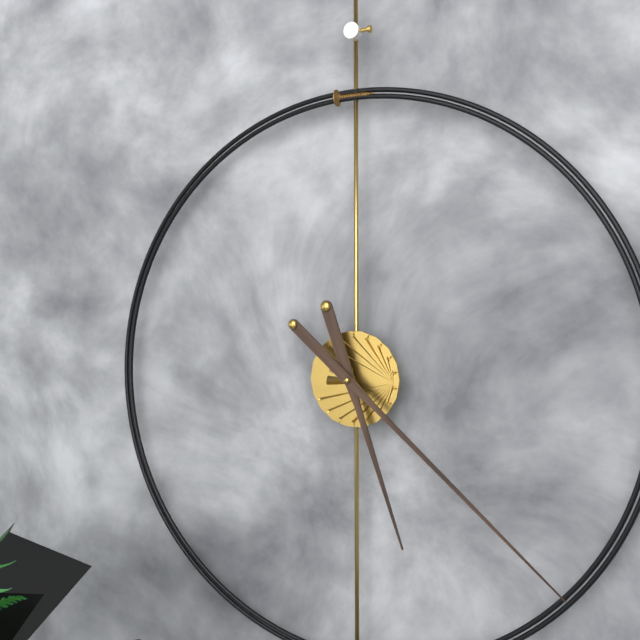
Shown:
5.22
